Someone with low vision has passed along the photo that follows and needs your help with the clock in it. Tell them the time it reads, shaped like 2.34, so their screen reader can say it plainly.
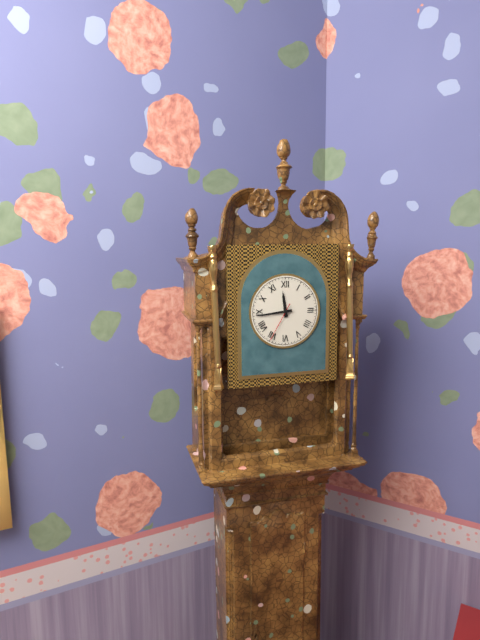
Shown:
11.44
